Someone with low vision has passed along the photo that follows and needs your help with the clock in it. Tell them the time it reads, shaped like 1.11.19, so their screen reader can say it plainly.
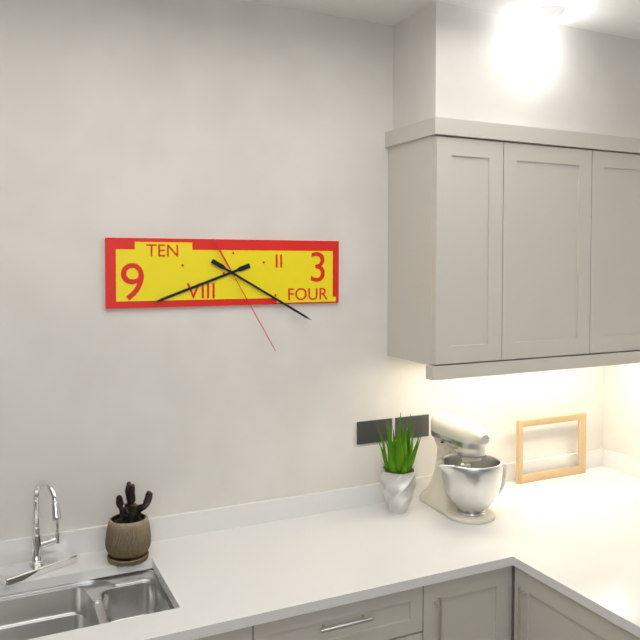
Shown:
8.20.25
